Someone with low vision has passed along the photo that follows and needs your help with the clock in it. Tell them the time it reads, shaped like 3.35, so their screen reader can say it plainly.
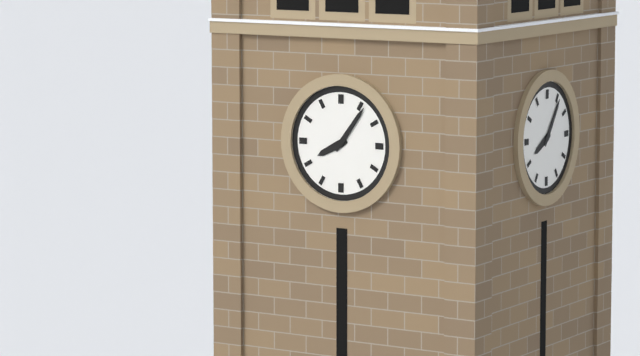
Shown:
8.06
